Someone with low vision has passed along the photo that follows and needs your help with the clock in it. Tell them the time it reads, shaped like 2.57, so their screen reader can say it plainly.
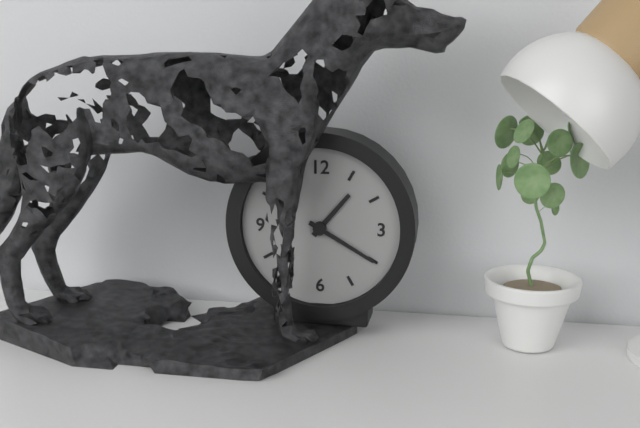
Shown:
1.20
